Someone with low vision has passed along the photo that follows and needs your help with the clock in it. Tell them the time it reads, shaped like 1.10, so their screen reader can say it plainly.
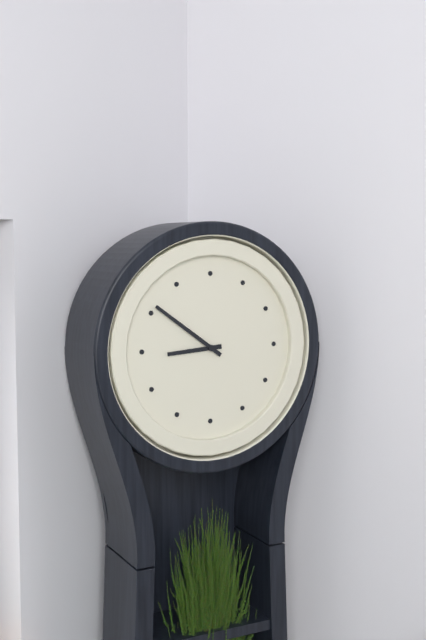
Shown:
8.51
